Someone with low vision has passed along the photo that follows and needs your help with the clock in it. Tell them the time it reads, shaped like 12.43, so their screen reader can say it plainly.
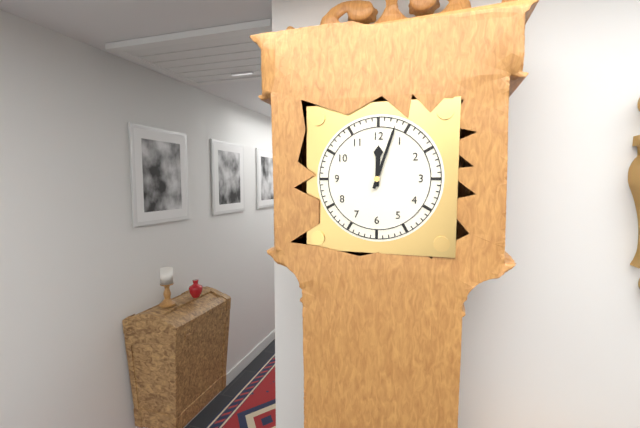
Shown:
12.03
